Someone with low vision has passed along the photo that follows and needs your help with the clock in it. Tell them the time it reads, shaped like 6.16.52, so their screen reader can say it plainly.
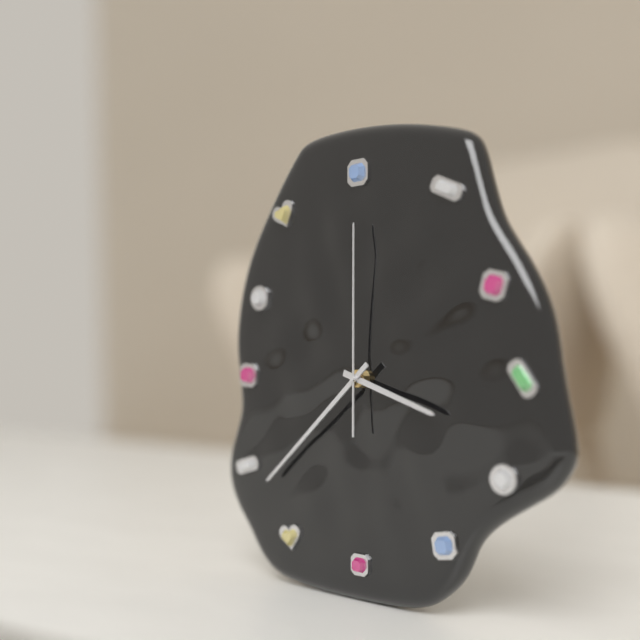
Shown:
3.38.00
